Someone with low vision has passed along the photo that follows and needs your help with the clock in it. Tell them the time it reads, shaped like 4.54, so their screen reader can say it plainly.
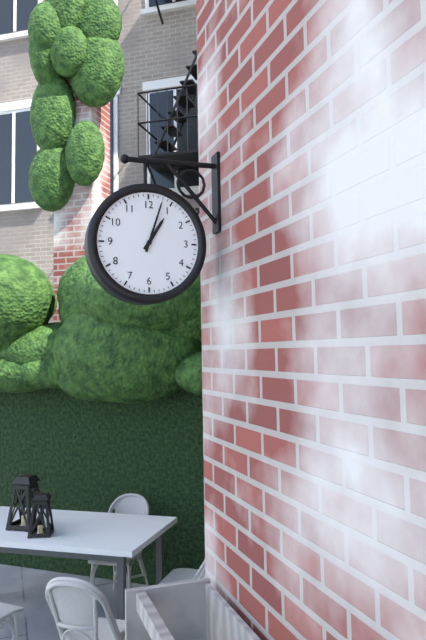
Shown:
1.03
